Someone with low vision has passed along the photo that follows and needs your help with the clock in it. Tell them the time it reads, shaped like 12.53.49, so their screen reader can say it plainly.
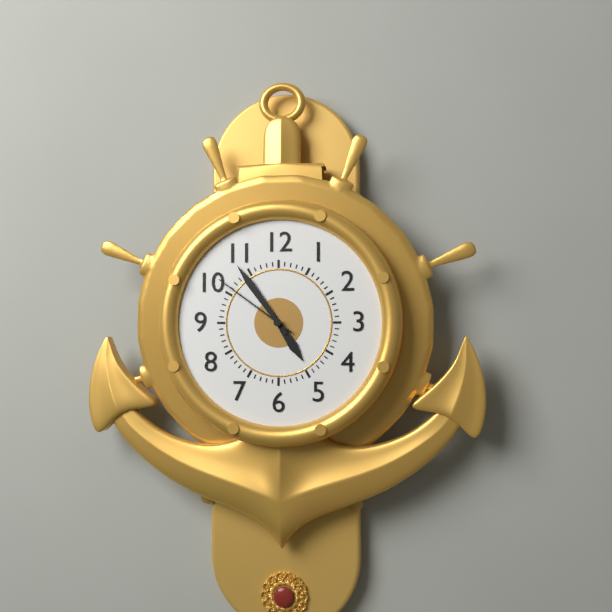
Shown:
4.54.51
